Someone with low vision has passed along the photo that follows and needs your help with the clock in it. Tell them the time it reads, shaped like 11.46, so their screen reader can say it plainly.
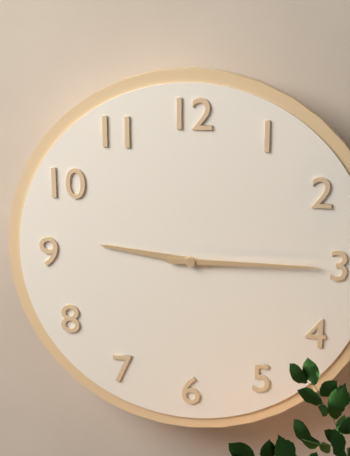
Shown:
9.15
